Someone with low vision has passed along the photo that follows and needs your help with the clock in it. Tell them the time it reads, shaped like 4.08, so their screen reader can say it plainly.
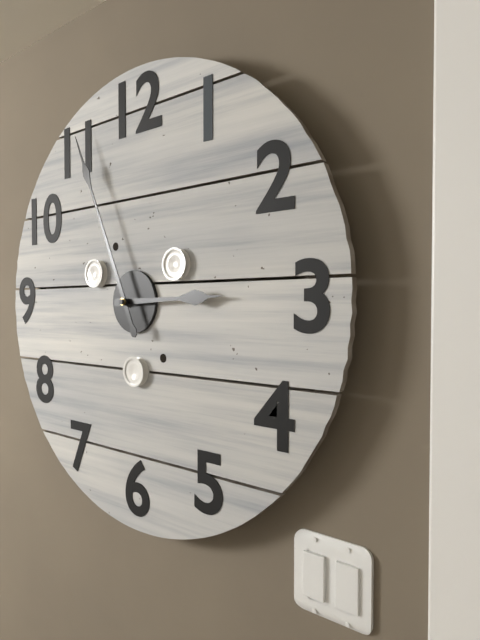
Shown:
2.56
